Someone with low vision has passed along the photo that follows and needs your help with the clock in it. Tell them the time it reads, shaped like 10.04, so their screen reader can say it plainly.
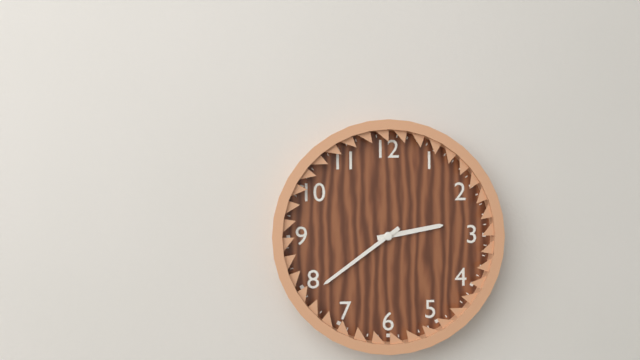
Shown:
2.39
